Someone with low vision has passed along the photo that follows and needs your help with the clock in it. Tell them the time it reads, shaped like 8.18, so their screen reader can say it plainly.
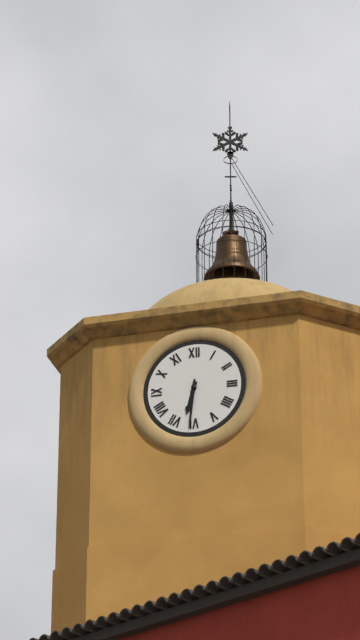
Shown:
6.31
